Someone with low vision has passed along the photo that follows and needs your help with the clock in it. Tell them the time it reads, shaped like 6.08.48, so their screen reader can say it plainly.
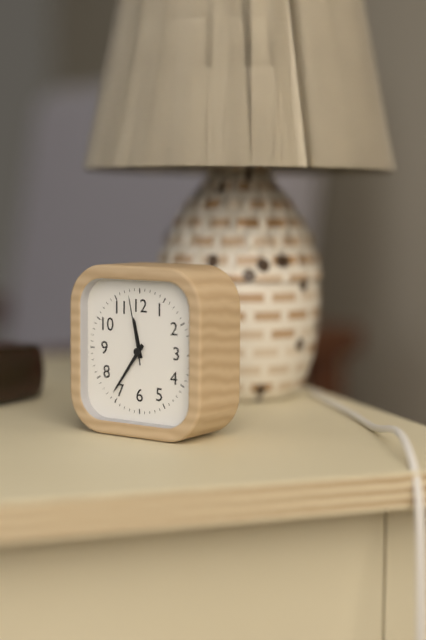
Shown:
11.36.58
